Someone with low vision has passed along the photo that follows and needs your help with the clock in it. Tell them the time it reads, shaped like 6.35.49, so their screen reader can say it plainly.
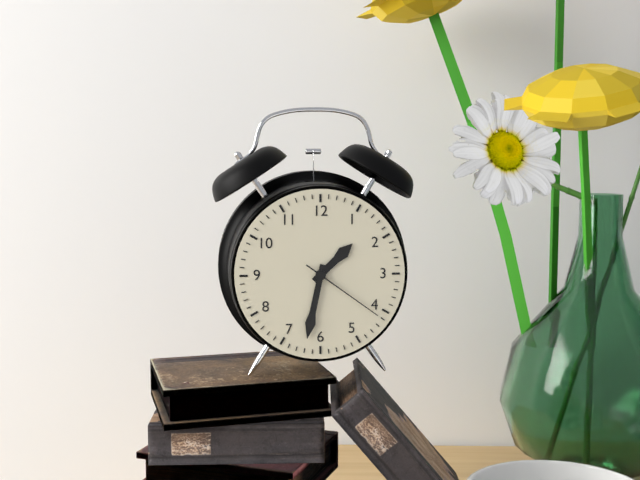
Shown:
1.32.21
